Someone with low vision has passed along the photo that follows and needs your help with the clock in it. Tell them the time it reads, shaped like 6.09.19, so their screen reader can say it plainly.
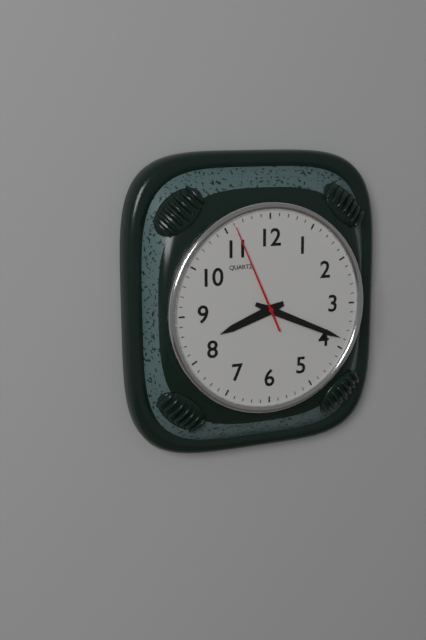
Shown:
8.19.56
